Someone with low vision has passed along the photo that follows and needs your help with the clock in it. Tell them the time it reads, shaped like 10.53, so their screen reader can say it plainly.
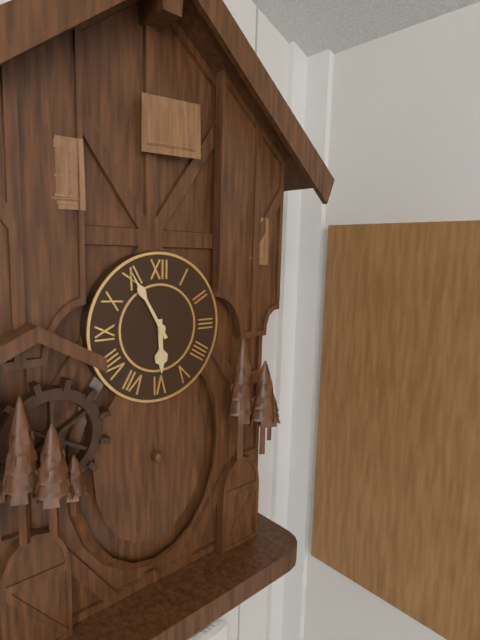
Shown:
5.55
